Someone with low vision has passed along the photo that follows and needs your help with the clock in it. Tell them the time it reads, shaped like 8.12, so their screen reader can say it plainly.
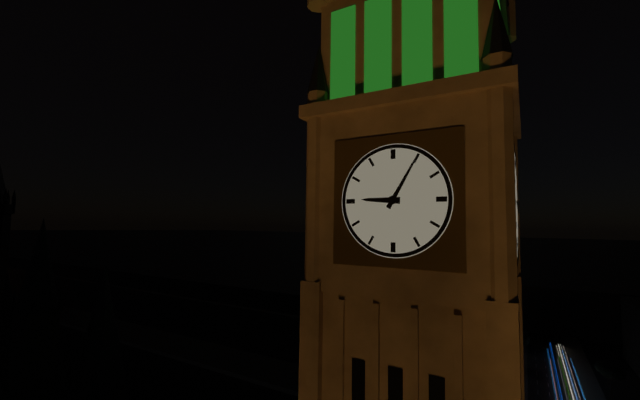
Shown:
9.05
